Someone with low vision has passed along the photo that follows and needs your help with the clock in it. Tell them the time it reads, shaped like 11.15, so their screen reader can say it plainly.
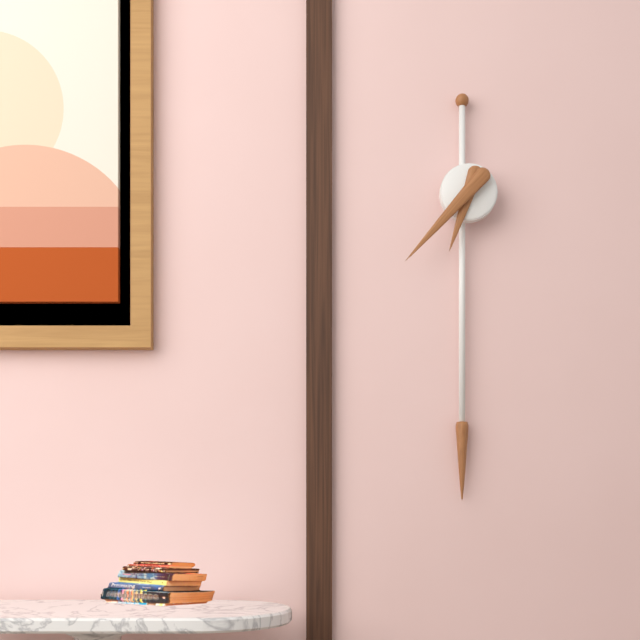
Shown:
6.37
